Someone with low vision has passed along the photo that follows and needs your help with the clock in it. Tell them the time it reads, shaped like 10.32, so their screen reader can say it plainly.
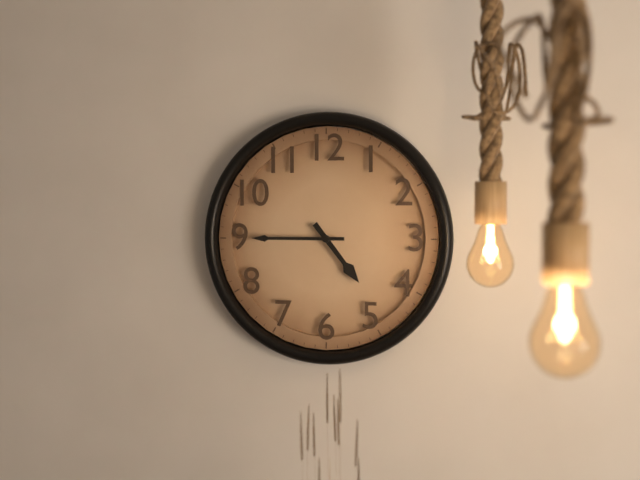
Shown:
4.45
